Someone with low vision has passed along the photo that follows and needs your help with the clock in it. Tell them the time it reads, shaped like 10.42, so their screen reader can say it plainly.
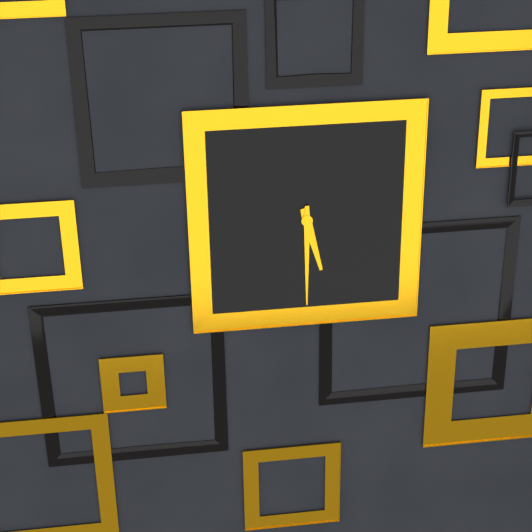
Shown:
5.30
